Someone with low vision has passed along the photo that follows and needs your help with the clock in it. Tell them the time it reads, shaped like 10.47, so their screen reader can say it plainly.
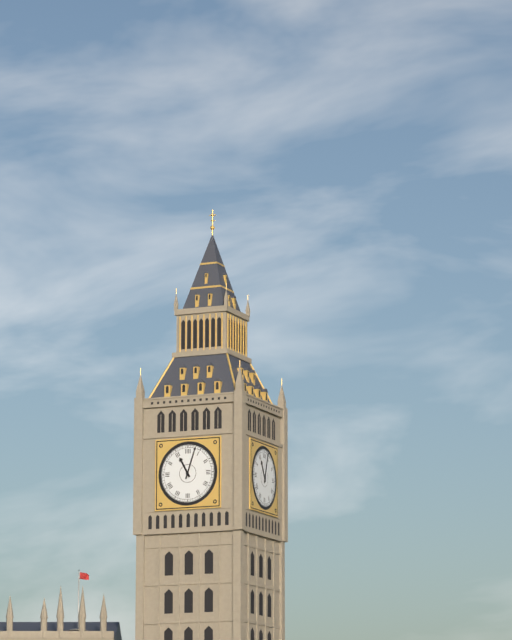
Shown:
11.03
